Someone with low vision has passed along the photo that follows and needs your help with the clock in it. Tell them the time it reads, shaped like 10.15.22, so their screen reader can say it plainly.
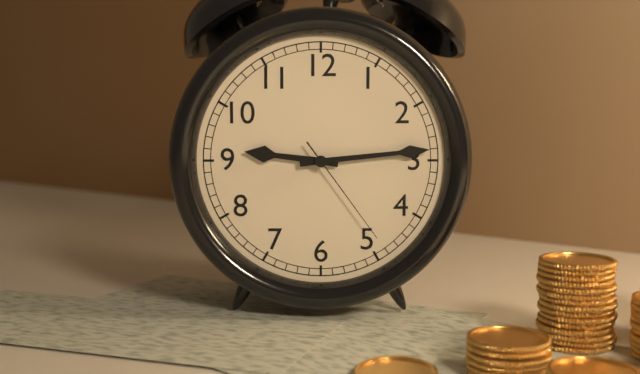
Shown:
9.14.24
